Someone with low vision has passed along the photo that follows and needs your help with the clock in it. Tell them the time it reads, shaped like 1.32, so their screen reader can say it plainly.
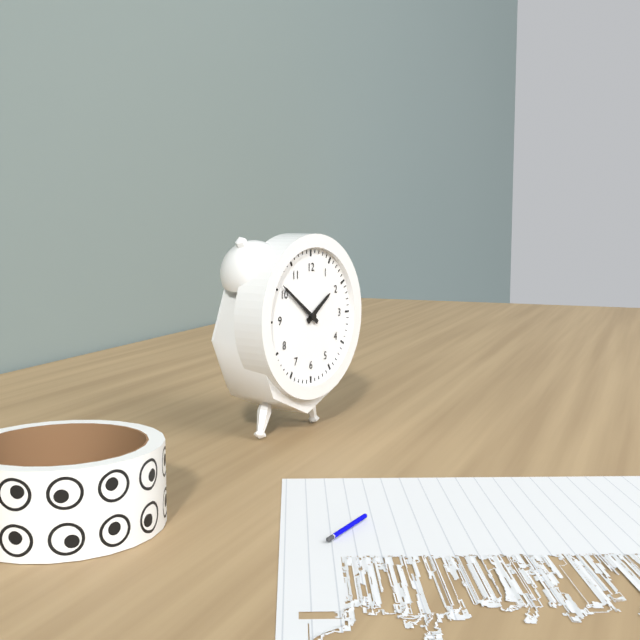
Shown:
1.51
